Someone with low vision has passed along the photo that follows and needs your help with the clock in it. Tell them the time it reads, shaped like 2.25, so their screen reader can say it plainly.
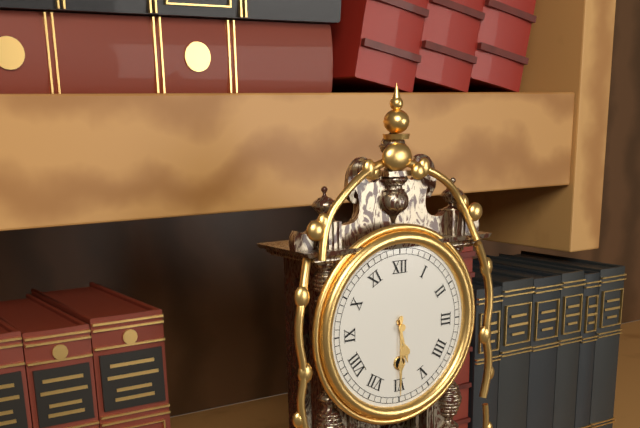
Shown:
5.30
